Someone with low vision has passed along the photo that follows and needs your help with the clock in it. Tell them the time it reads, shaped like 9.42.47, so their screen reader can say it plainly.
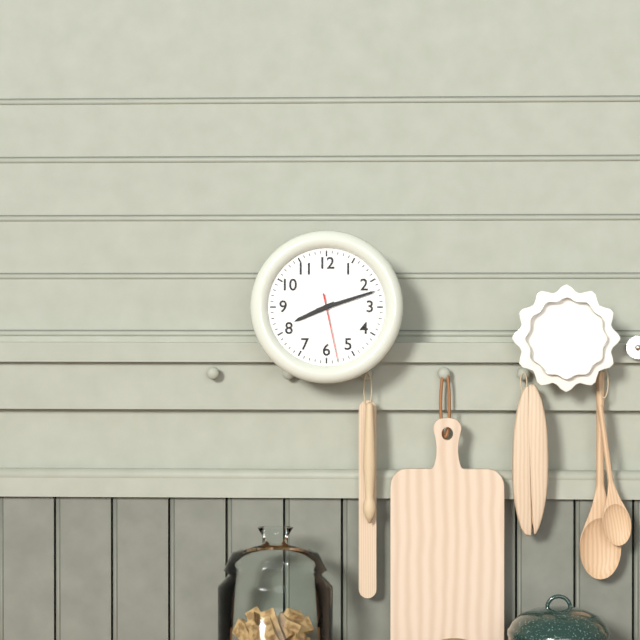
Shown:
8.12.28
